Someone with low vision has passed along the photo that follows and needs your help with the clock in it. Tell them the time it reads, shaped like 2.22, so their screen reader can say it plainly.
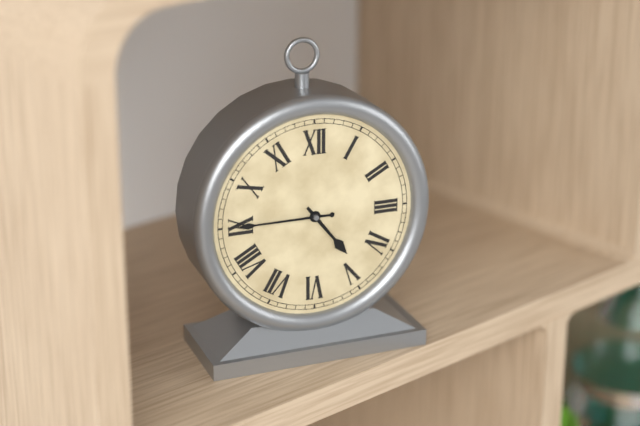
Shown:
4.45
